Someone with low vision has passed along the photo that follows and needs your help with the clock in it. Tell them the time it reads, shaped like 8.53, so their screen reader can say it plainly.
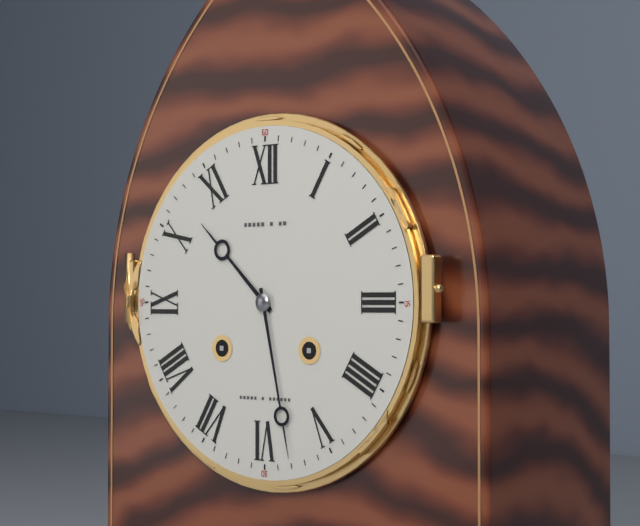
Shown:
10.28
